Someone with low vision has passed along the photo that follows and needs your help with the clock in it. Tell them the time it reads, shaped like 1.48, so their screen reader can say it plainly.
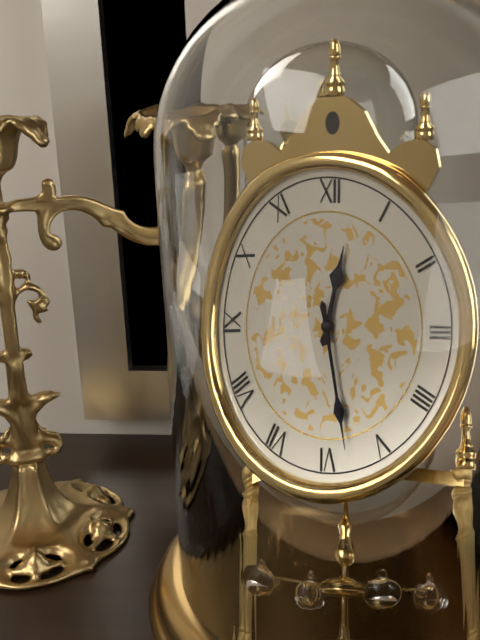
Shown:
12.28
